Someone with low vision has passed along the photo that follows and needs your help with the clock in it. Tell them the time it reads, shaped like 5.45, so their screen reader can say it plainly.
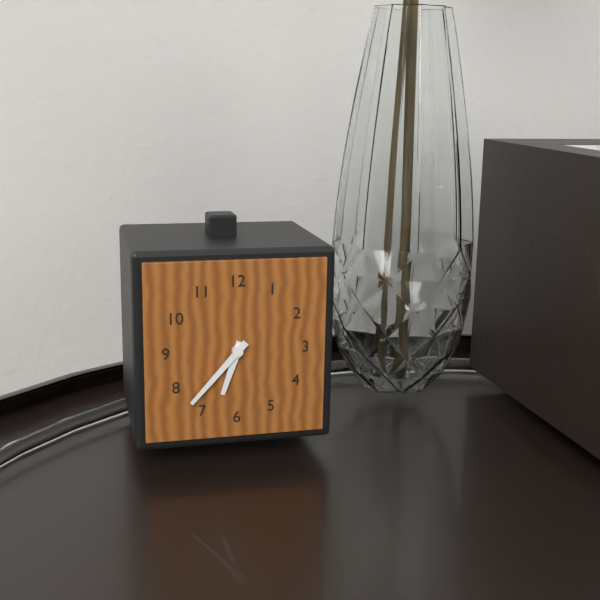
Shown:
6.37
